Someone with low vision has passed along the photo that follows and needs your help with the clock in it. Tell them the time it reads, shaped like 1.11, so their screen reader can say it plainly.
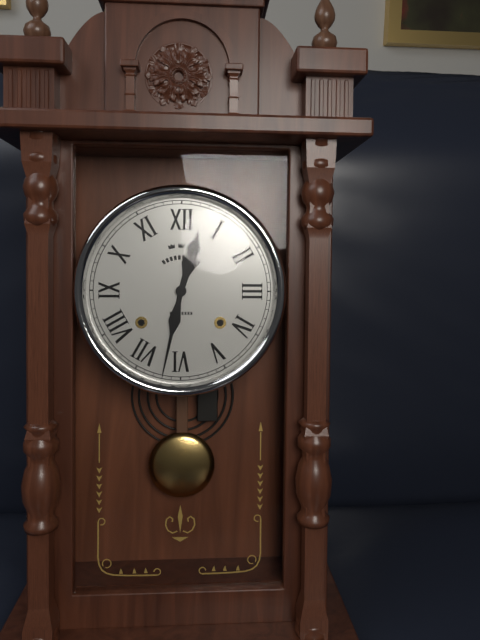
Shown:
12.32
